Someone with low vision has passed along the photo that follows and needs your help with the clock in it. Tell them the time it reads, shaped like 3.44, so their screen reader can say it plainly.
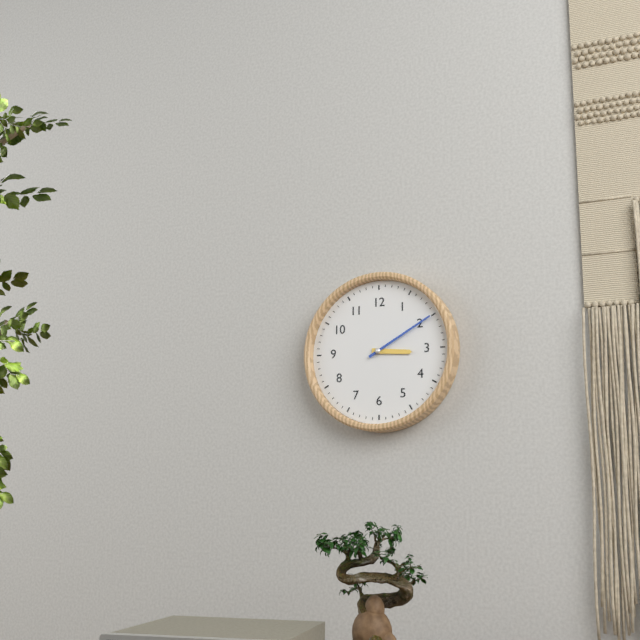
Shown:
3.10
